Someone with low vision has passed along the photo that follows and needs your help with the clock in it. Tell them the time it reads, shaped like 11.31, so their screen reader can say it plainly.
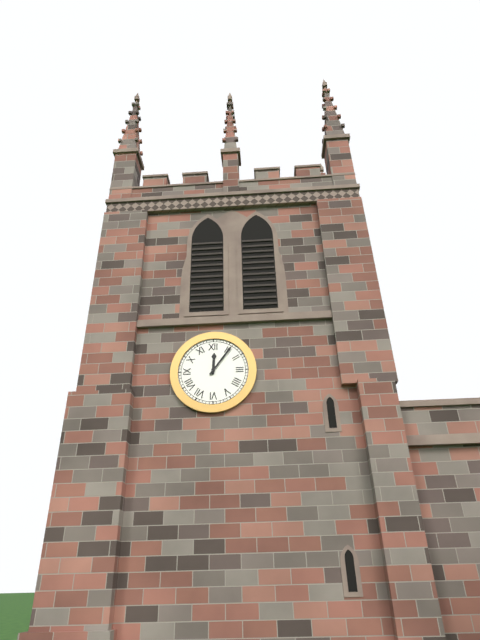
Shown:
12.06
